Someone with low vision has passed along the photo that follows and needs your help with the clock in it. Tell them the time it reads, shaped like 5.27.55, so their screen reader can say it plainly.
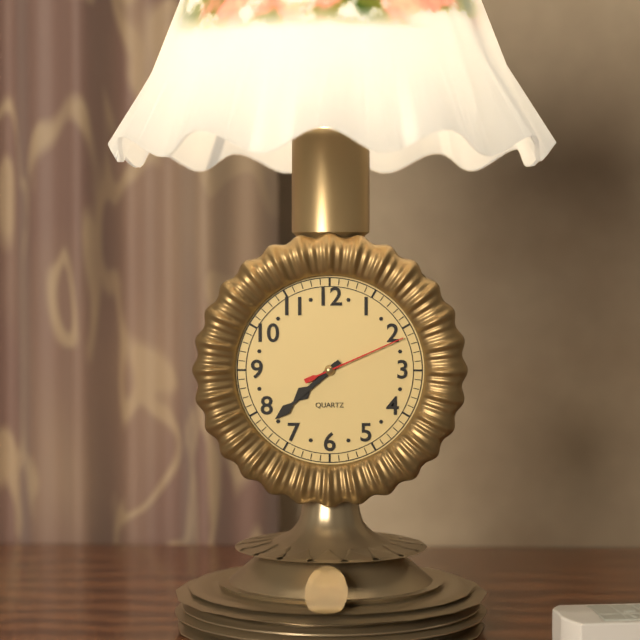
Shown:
7.38.11
